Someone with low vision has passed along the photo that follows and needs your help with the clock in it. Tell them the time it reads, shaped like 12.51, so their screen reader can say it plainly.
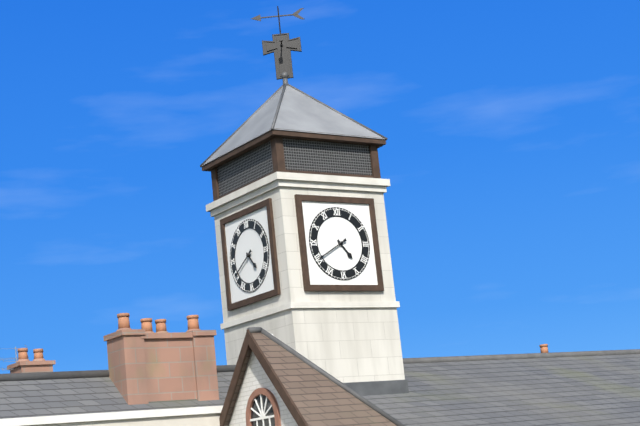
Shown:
4.40
